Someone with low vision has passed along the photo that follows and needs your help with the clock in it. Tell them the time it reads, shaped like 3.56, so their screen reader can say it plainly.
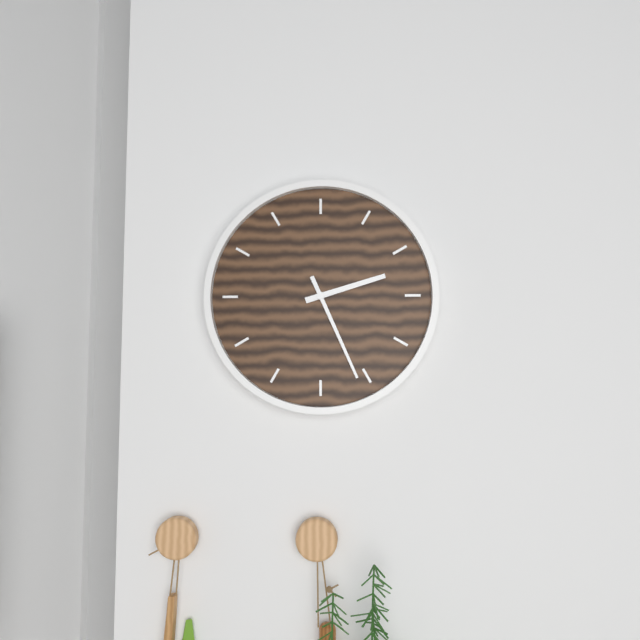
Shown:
2.26
